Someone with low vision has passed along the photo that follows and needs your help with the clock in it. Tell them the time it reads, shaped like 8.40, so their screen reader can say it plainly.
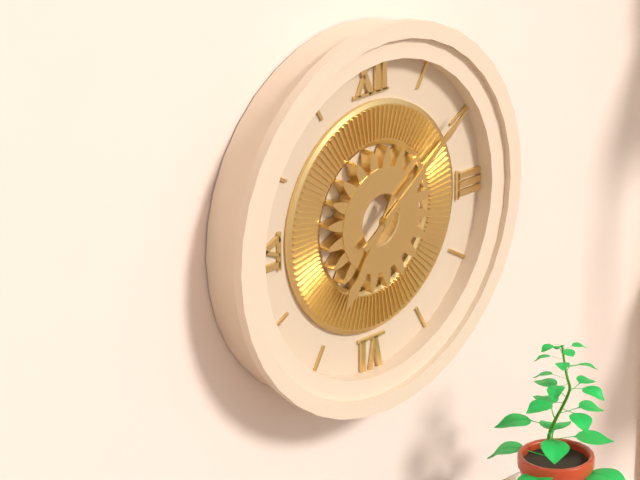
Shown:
7.09
